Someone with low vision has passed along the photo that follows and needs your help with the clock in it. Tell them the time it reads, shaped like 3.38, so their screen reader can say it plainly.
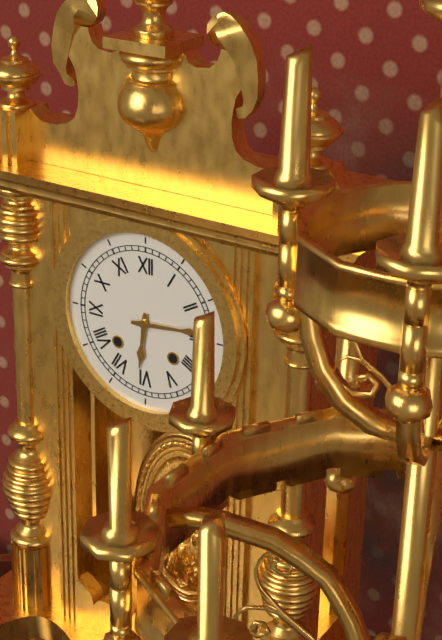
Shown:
6.14
